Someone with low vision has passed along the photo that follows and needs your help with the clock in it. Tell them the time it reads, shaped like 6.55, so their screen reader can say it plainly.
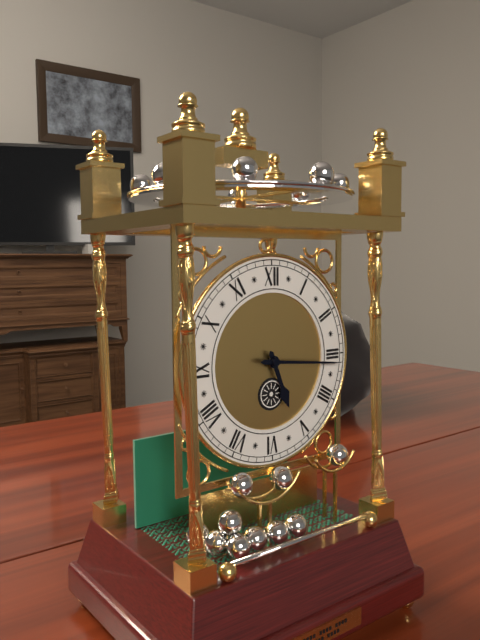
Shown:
5.16
